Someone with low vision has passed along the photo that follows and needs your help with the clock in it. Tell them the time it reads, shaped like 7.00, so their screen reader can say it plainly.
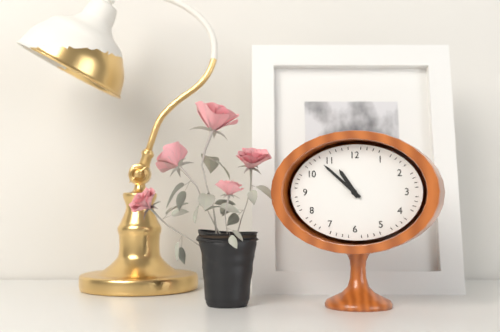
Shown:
10.52
